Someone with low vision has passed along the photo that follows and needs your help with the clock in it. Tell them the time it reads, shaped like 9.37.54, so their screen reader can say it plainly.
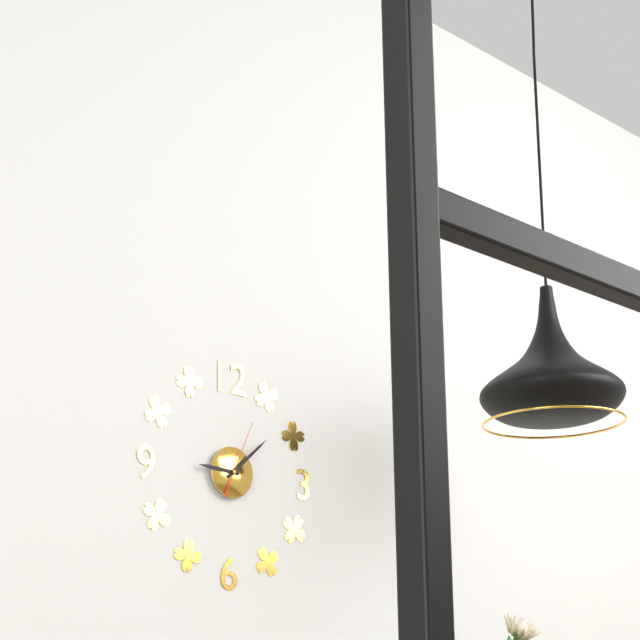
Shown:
9.08.04
